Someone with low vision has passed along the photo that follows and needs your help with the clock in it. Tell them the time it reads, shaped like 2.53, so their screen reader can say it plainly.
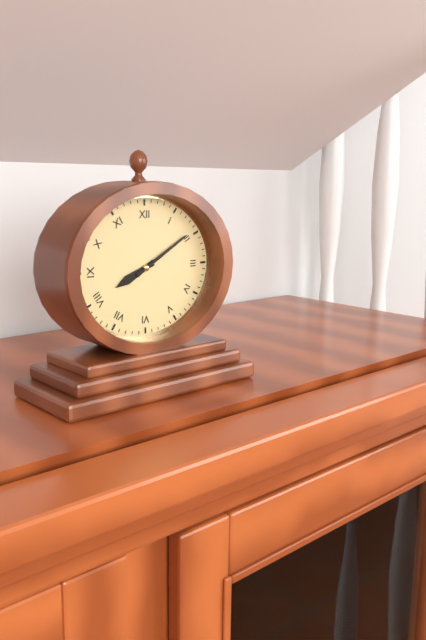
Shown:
8.10
